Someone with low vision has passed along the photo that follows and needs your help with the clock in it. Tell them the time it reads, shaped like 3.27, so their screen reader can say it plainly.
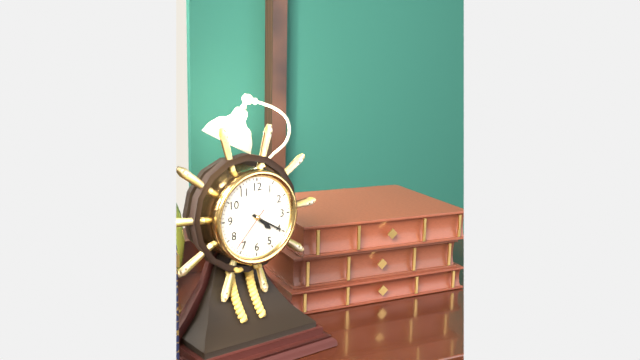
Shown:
4.20
